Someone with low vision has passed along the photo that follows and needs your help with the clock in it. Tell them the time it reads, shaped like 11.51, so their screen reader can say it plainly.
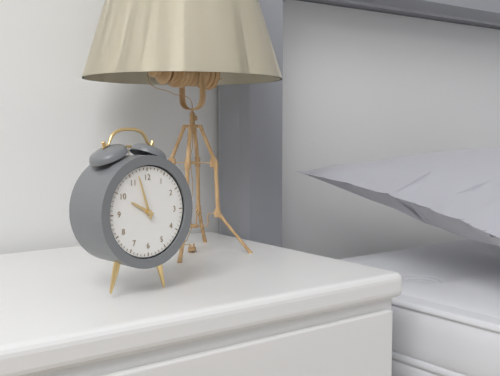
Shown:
9.57
